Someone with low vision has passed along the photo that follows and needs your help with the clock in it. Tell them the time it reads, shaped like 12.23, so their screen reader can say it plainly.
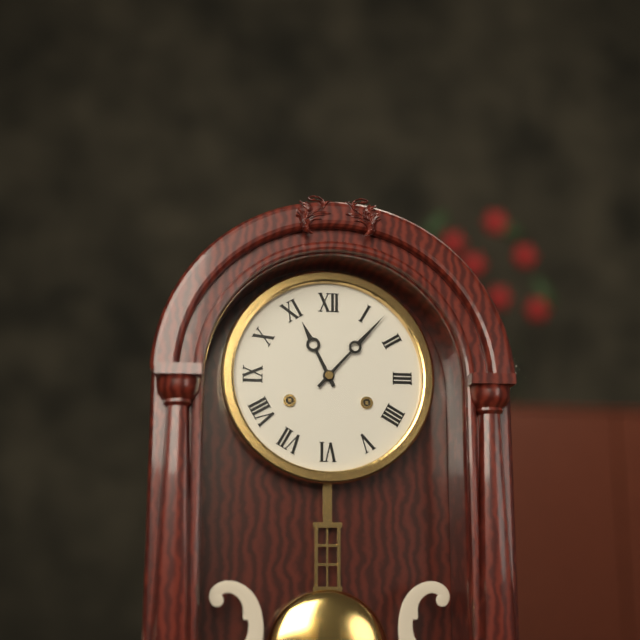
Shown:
11.07
